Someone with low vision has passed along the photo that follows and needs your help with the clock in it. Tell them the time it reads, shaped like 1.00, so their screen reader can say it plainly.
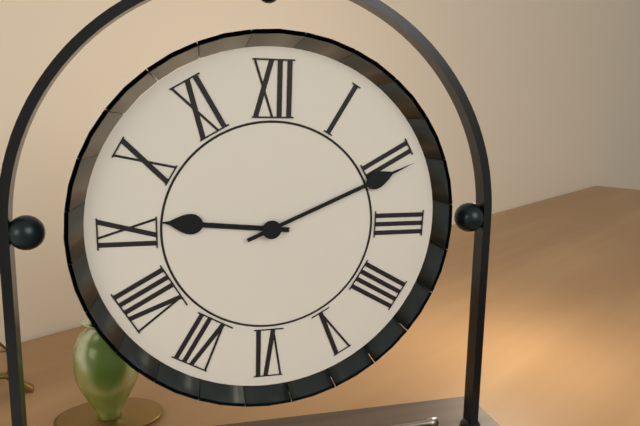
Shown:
9.11
